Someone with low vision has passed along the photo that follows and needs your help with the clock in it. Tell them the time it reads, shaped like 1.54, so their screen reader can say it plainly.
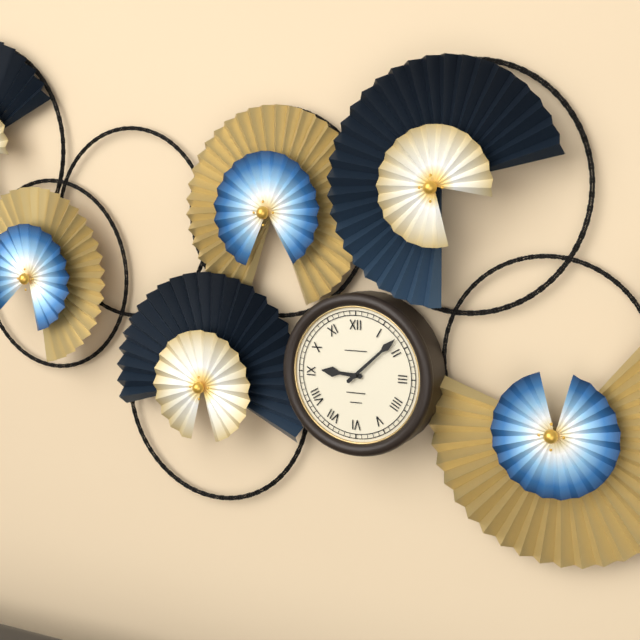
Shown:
9.08
